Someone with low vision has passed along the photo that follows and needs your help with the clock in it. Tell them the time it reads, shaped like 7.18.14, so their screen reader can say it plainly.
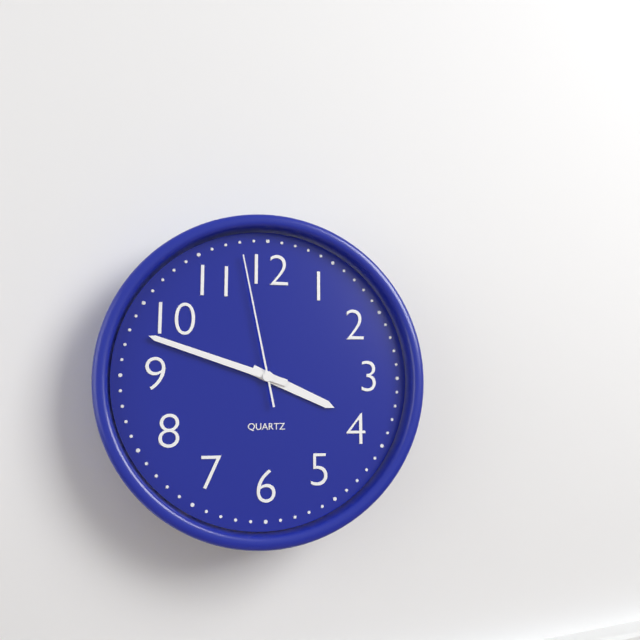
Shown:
3.48.58
